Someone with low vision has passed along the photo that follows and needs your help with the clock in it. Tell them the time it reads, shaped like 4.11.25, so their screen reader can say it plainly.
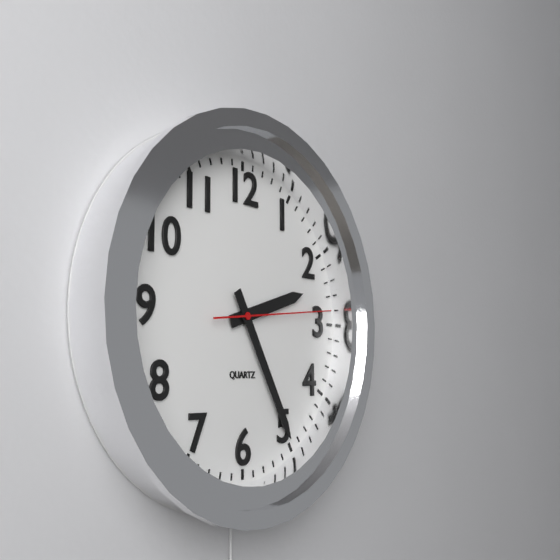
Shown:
2.25.14
